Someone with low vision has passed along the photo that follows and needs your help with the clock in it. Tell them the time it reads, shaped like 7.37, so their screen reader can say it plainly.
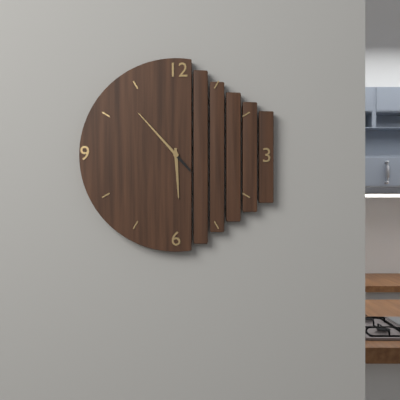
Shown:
5.53
